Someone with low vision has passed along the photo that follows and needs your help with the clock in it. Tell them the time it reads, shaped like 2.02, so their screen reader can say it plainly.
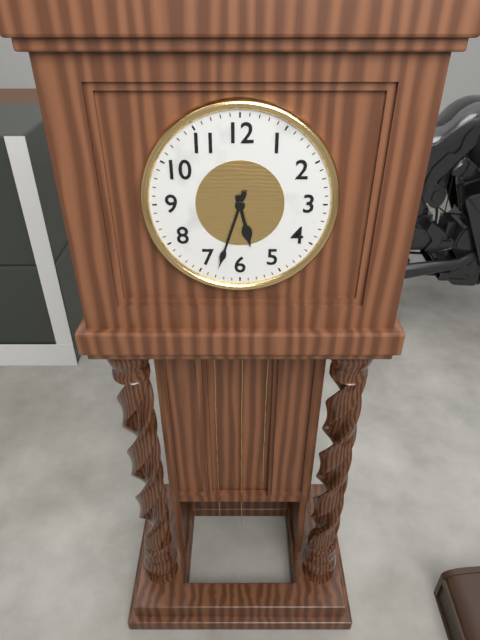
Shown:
5.33
